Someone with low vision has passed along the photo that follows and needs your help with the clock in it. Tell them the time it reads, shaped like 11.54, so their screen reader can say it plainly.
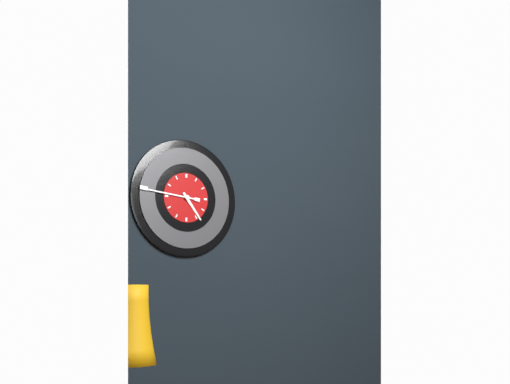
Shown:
4.46
